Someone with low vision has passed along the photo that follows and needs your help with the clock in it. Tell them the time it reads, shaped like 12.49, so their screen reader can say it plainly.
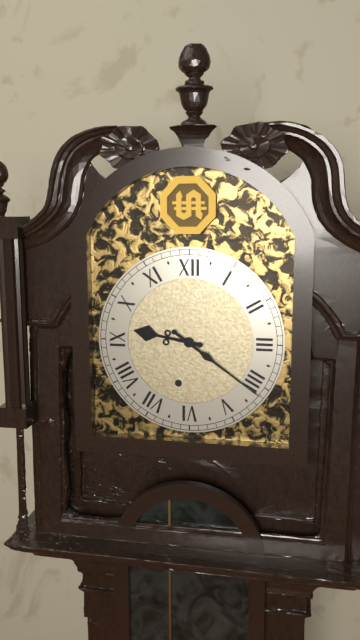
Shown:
9.21
